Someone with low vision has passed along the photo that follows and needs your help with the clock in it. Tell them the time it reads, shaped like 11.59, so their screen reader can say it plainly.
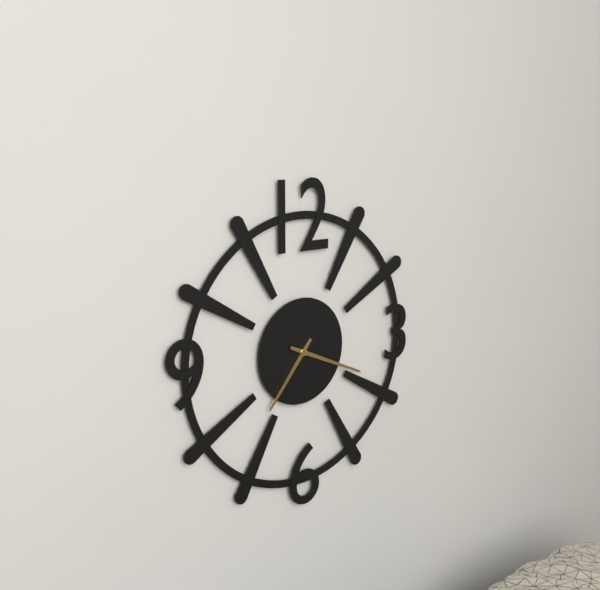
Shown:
7.19
